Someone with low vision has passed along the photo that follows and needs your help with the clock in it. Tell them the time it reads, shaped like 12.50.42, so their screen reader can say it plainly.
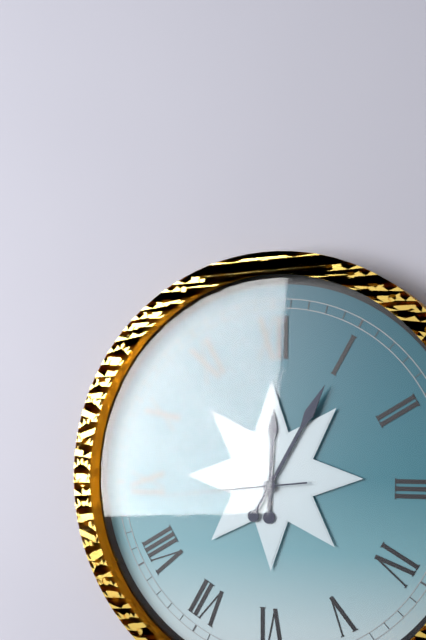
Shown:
12.05.44
